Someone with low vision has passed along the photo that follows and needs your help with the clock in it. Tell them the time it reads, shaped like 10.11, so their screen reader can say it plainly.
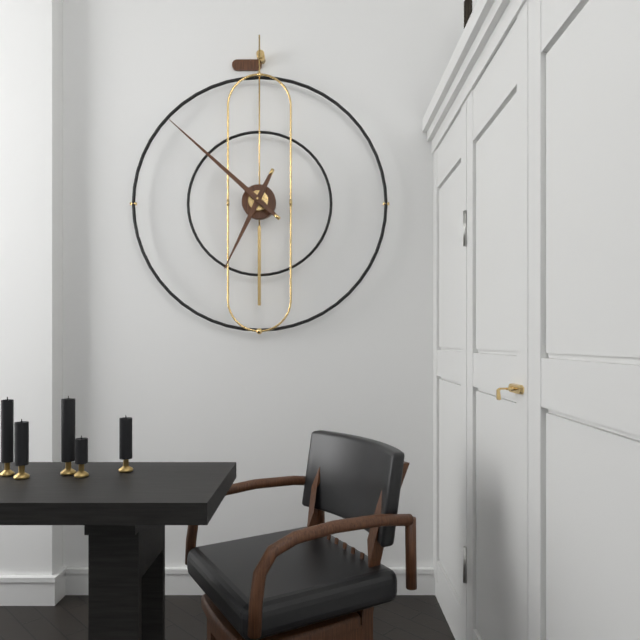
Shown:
6.52
